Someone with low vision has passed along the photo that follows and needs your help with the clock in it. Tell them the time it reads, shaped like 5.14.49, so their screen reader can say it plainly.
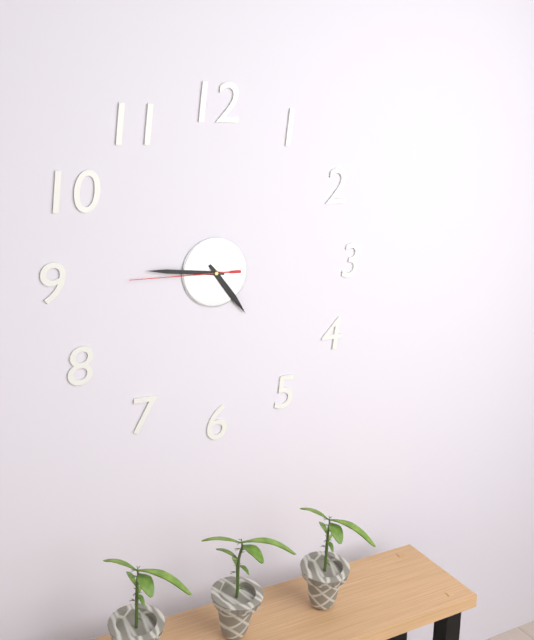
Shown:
4.46.45
